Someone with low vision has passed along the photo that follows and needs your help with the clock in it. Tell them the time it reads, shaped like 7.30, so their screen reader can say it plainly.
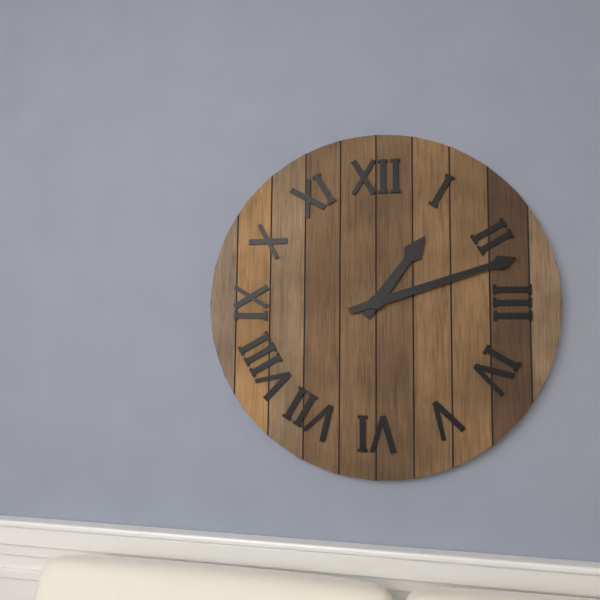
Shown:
1.12
